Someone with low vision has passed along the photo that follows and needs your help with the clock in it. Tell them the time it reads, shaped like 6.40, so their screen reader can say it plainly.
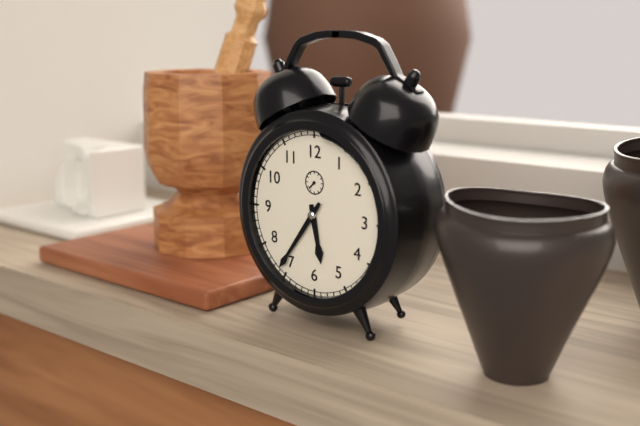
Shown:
5.36
